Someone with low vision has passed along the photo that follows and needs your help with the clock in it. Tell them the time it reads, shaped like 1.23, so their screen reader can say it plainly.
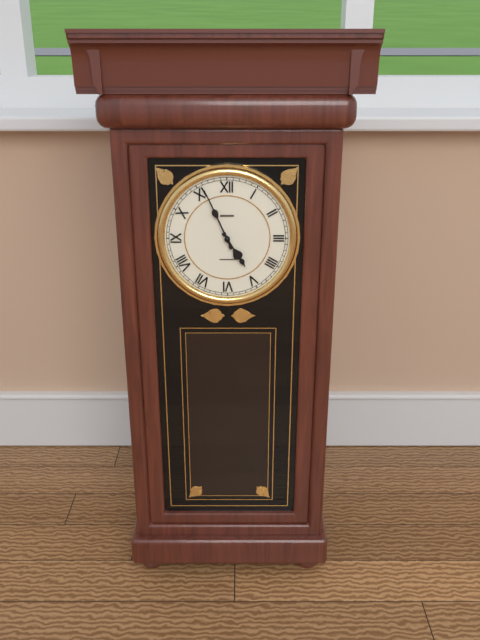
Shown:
4.56
